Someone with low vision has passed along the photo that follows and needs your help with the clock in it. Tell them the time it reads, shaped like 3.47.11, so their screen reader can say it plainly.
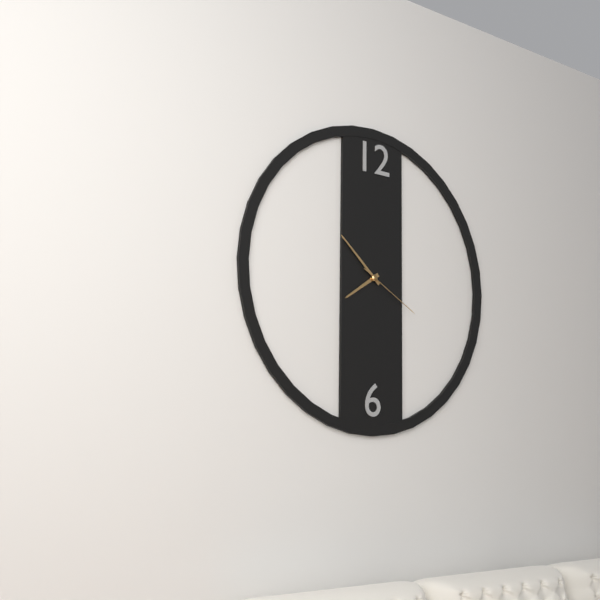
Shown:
7.52.20
